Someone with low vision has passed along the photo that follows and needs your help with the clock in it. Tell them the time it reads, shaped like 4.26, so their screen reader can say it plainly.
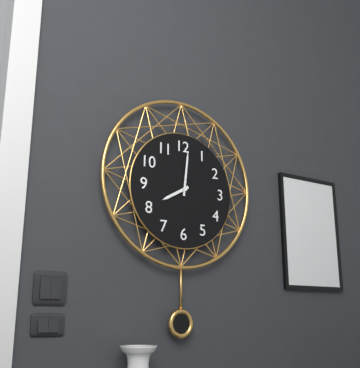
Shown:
8.01
